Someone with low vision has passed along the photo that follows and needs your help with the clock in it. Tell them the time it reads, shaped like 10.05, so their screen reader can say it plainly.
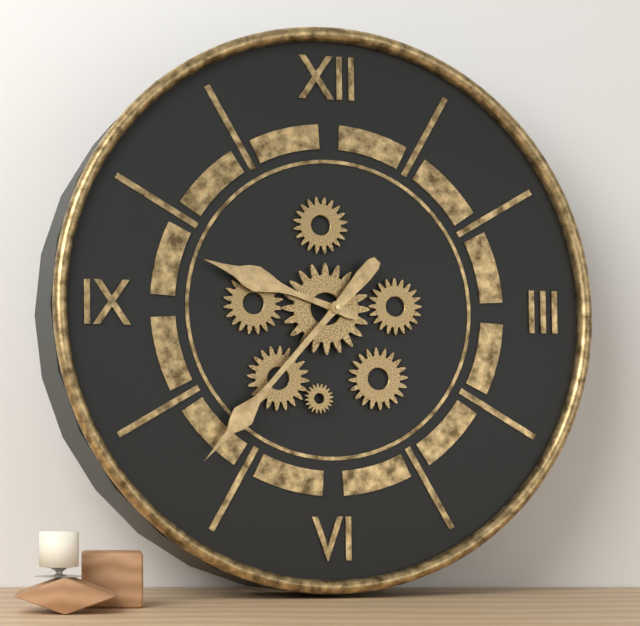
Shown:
9.37
